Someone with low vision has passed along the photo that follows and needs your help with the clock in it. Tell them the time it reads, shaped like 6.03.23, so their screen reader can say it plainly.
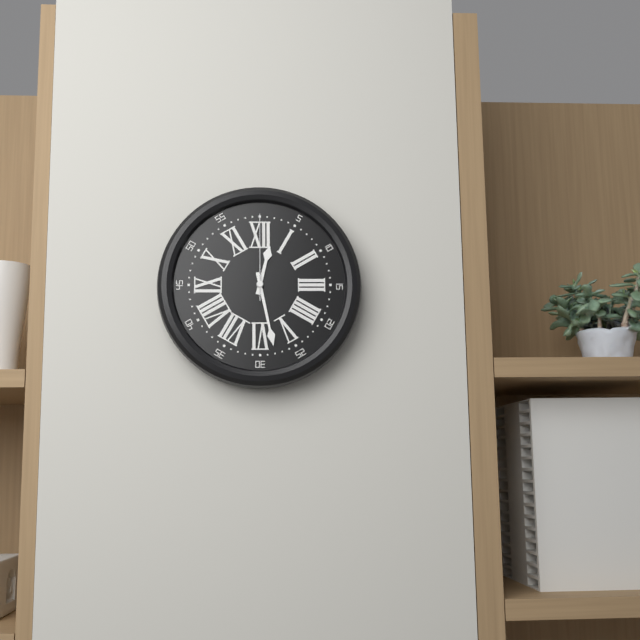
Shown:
12.28.00
